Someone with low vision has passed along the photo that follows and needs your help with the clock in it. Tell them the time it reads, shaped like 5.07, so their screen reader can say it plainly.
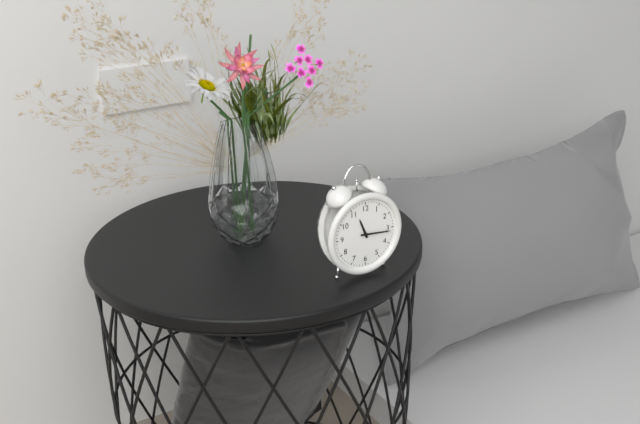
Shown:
11.16
